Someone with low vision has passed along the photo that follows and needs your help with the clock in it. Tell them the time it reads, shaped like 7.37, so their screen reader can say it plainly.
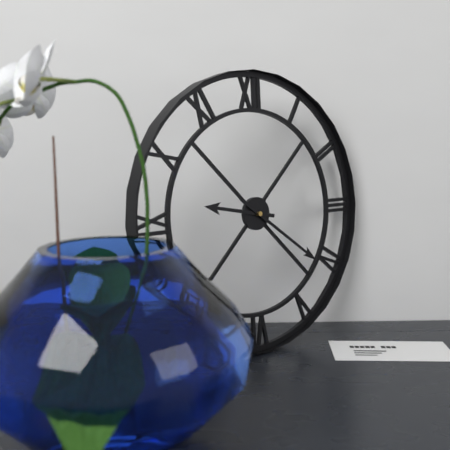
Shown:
9.21
